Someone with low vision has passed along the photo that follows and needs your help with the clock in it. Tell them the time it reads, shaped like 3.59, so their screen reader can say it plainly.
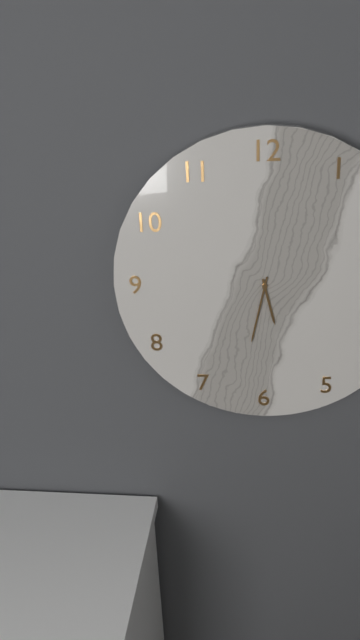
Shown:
5.32
